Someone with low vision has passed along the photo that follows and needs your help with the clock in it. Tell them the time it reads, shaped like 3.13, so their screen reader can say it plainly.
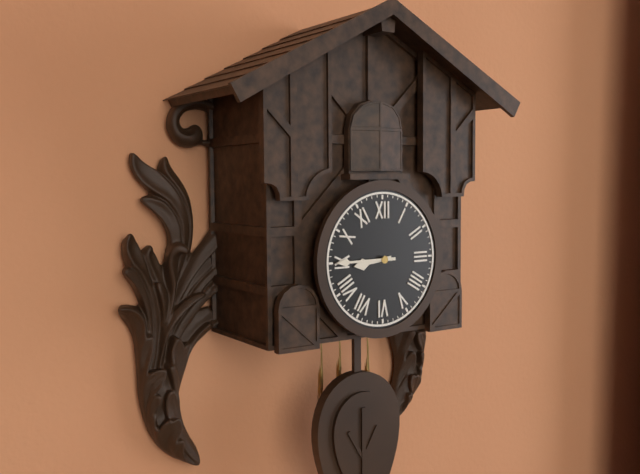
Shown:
8.45
